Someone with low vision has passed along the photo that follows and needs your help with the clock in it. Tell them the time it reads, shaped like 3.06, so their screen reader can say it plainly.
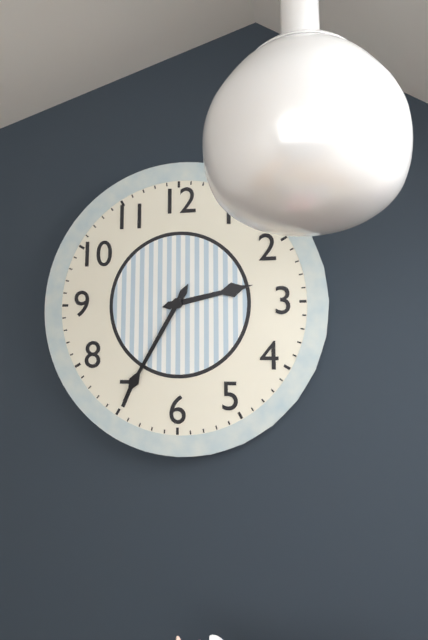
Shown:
2.35
